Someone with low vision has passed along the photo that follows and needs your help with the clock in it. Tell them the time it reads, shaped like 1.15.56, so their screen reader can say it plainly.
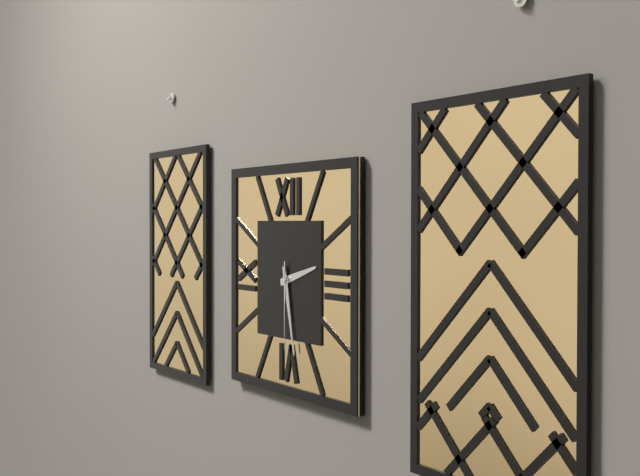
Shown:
2.28.30
